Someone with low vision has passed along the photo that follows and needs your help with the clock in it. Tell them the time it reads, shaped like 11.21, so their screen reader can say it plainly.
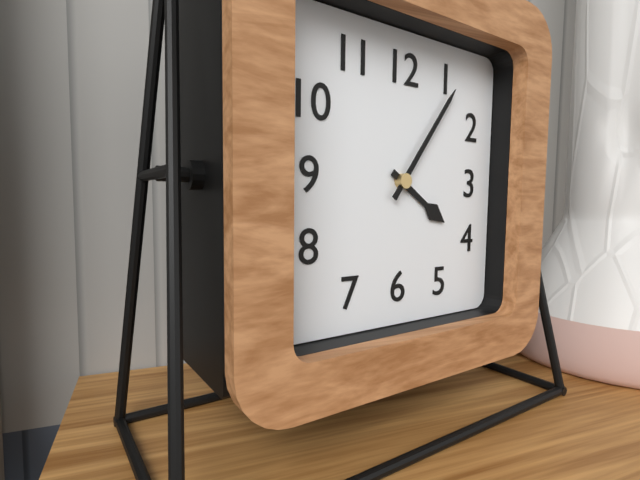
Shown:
4.06
